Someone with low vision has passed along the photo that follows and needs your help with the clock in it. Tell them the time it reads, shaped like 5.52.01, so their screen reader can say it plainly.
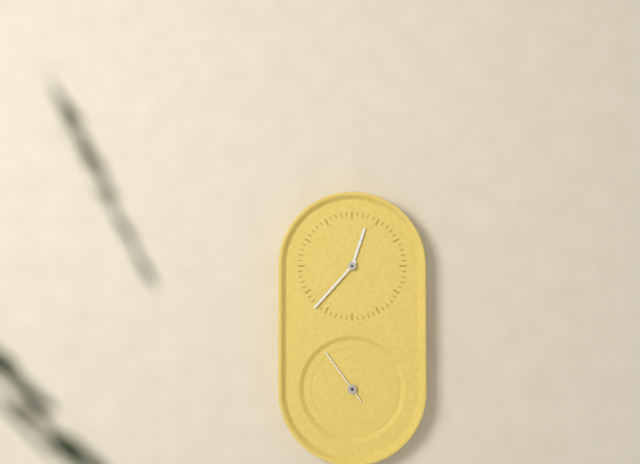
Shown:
12.37.54
